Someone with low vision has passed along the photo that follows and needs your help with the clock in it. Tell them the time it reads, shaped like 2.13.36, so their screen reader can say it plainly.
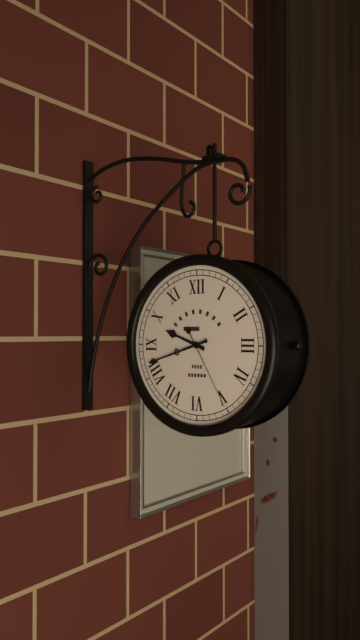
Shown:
9.42.25
